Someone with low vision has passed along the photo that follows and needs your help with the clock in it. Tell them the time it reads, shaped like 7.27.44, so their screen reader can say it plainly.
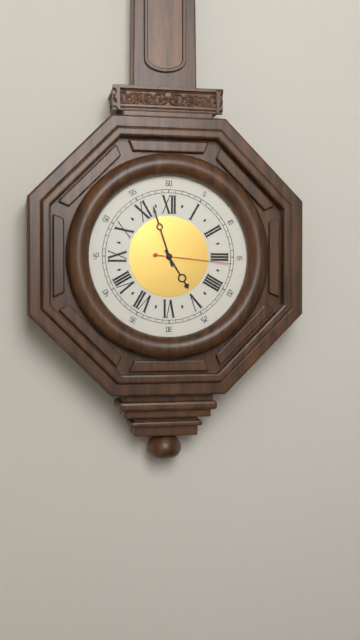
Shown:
4.57.16
